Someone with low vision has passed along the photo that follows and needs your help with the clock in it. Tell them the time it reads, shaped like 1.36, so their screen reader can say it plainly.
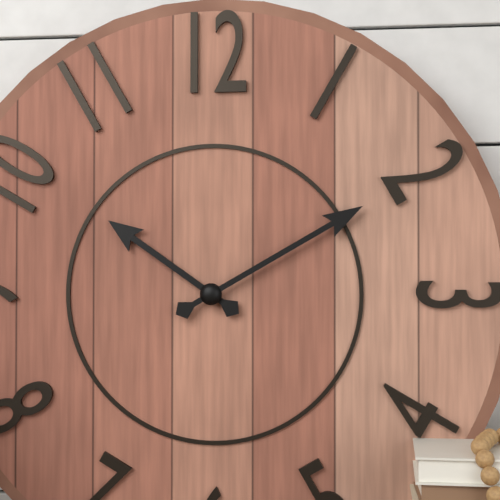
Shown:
10.10
